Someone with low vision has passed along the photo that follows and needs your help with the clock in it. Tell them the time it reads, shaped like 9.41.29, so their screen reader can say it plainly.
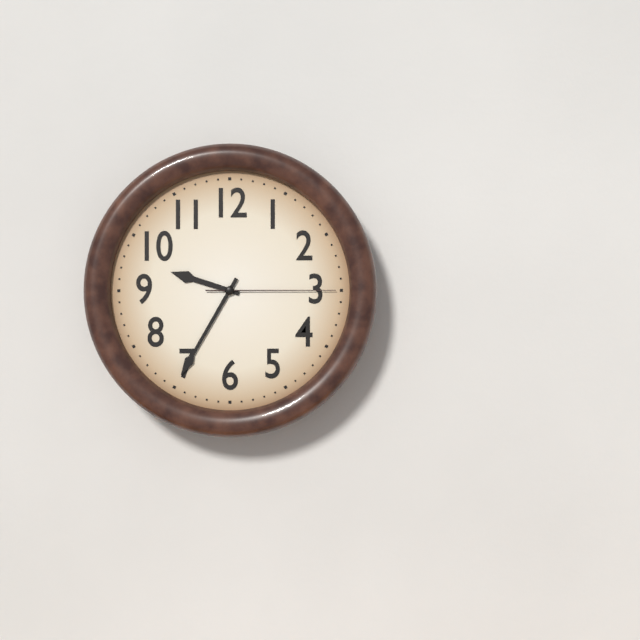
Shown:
9.35.15
